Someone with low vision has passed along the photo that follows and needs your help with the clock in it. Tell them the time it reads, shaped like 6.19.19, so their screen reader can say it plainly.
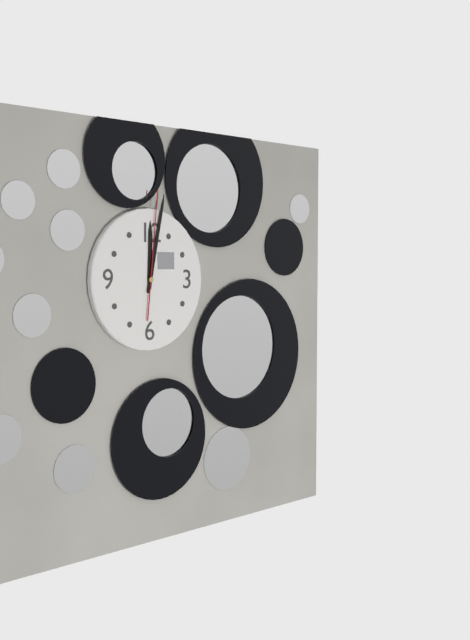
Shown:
12.02.01
